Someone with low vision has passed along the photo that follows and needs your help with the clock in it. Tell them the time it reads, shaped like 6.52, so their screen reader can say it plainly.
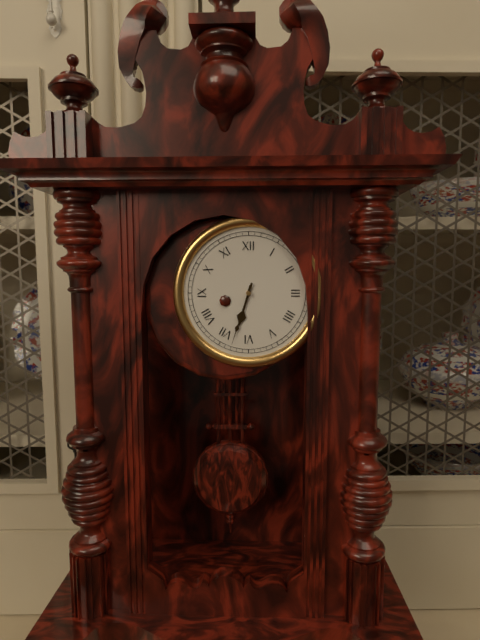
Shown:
6.33
